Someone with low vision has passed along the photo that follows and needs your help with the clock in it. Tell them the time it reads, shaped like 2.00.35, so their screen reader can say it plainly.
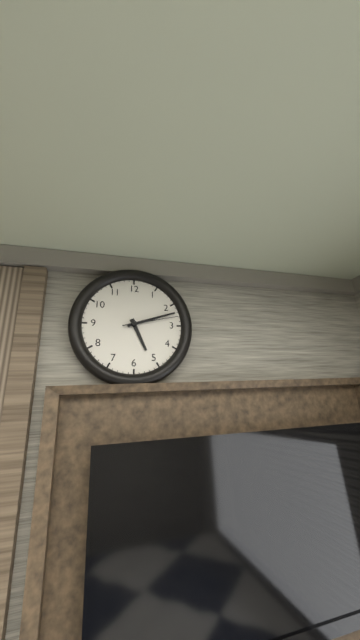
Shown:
5.12.13
